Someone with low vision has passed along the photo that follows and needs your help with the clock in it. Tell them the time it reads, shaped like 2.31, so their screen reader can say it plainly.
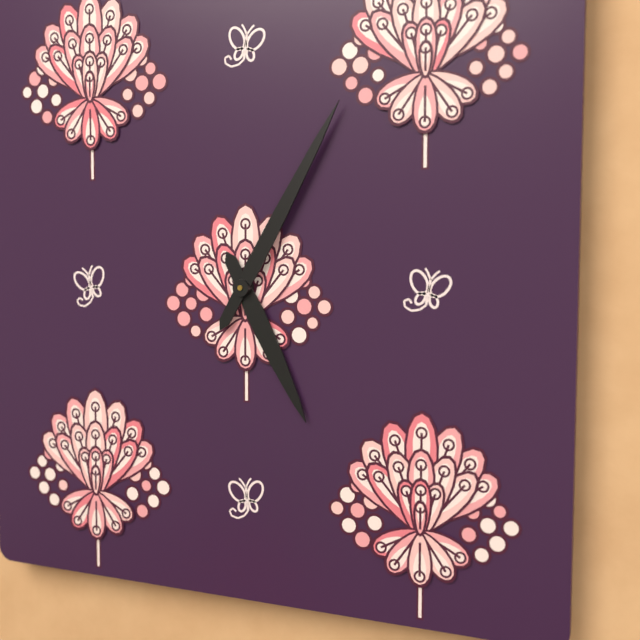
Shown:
5.05
